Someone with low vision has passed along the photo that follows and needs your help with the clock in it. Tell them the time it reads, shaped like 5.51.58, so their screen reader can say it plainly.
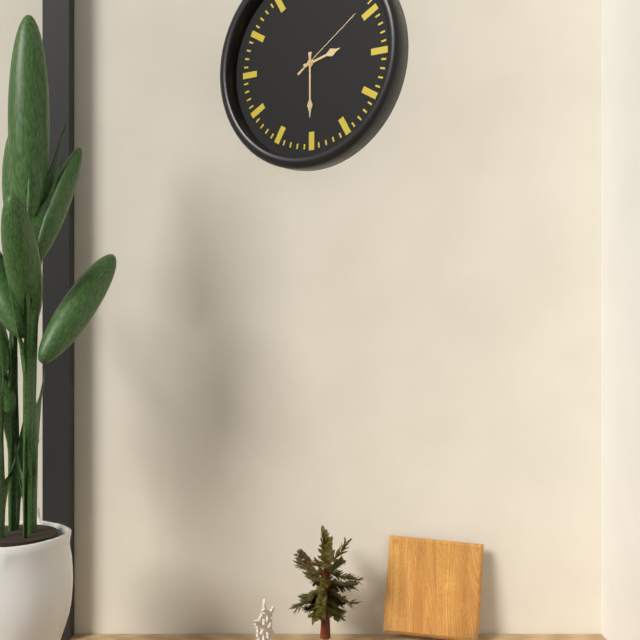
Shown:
2.30.09
